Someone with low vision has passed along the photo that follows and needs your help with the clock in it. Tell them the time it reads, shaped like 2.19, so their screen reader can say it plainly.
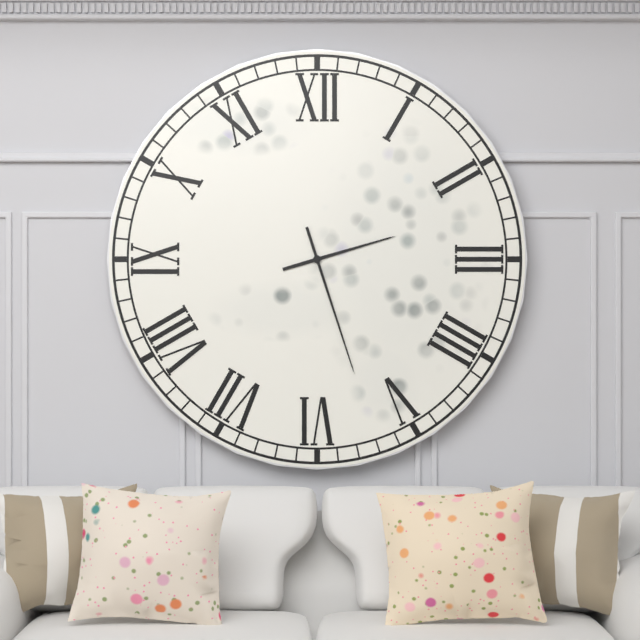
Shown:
2.27
